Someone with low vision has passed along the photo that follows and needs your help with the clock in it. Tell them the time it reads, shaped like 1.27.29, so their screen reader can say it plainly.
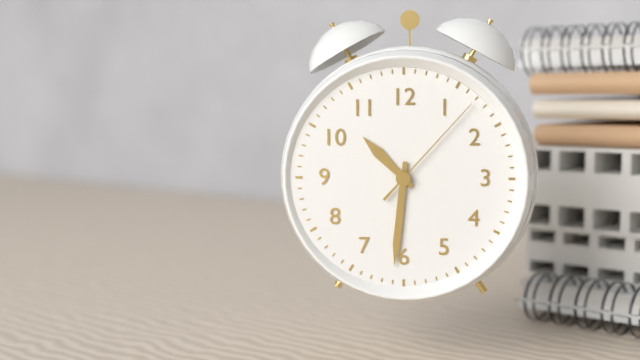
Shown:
10.31.07
